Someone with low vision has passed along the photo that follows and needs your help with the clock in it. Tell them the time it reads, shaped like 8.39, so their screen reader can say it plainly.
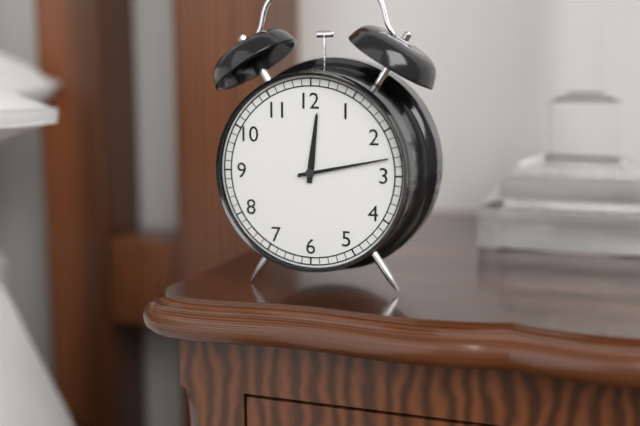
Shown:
12.13
